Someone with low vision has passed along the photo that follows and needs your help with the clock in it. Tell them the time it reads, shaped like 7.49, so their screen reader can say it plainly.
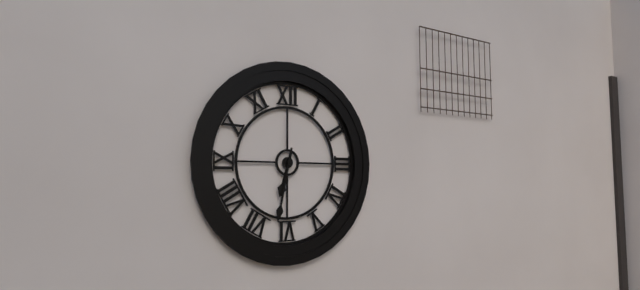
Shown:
6.32
